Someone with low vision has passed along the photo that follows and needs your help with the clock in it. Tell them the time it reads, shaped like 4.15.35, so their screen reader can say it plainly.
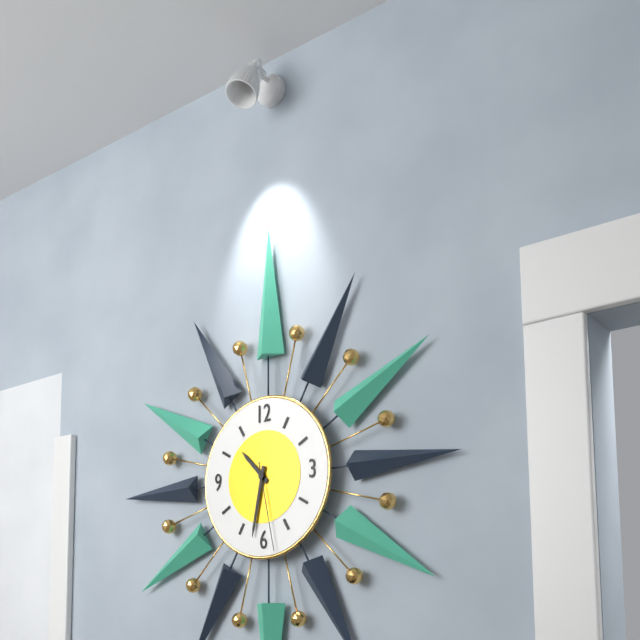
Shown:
10.32.28
